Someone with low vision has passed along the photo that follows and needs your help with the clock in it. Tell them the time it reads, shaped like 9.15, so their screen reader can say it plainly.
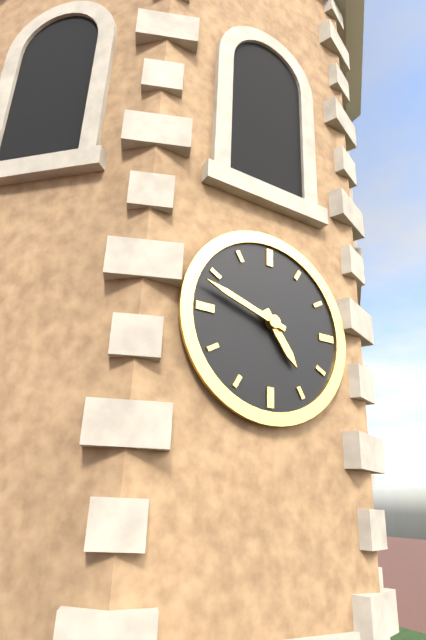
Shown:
4.48
